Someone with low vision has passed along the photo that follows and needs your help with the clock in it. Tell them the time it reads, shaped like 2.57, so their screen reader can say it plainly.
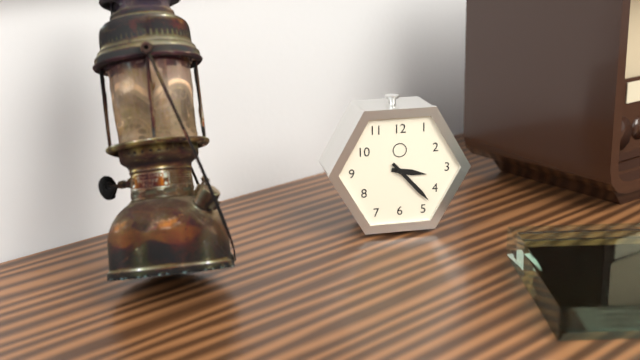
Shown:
3.23
